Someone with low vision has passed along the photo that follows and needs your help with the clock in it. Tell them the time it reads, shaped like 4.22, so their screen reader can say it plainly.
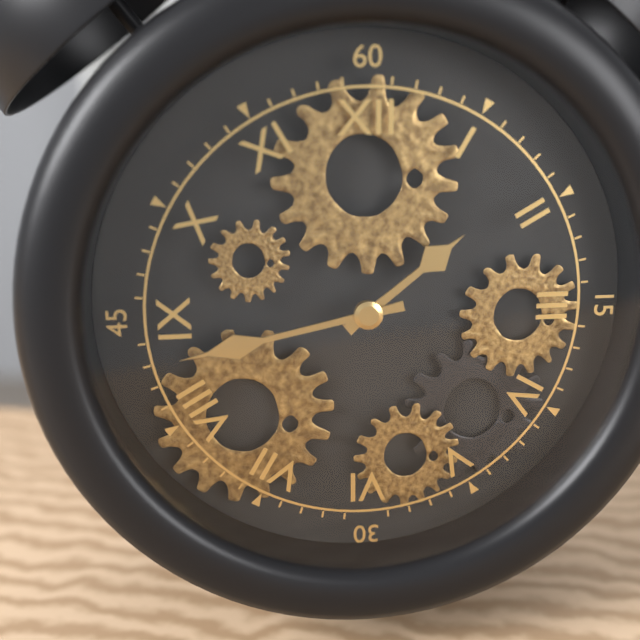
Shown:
1.43
